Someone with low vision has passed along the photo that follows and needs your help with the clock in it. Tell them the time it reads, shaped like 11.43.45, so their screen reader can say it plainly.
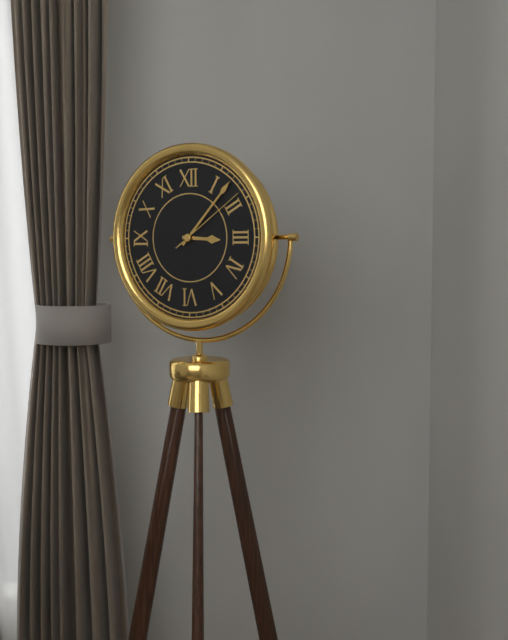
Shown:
3.07.09
